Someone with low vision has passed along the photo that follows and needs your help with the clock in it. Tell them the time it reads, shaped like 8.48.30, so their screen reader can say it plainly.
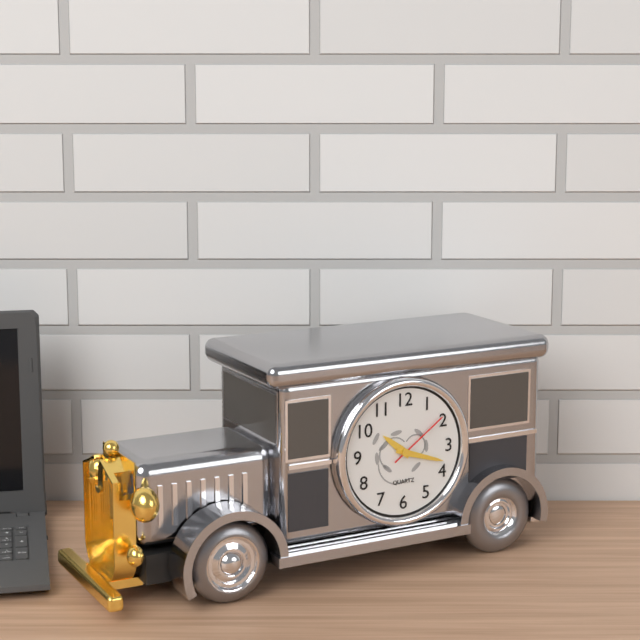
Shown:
10.18.09
